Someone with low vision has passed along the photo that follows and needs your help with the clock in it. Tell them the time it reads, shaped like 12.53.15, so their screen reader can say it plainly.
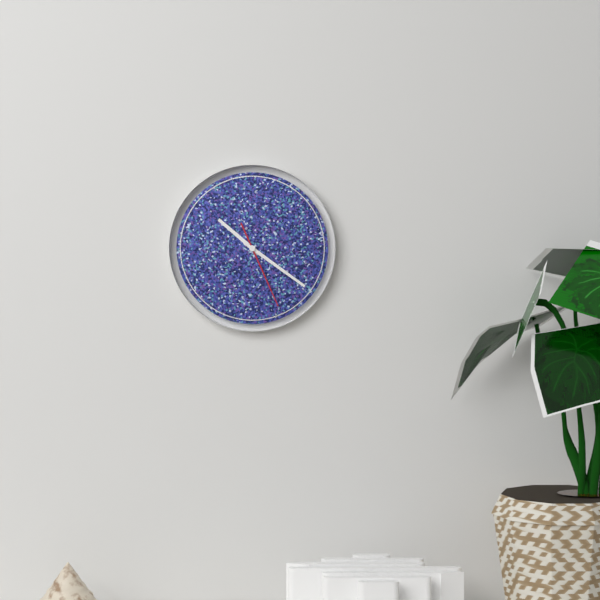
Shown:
10.21.26
